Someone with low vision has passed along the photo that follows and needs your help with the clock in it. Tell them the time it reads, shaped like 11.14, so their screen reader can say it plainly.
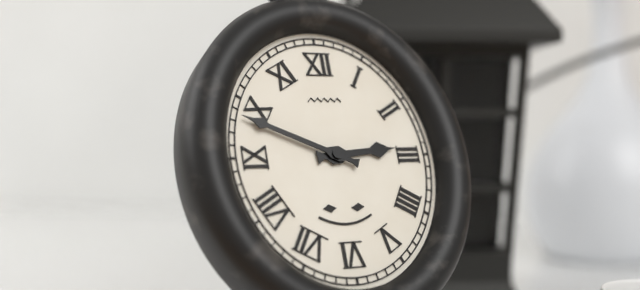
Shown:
2.49
